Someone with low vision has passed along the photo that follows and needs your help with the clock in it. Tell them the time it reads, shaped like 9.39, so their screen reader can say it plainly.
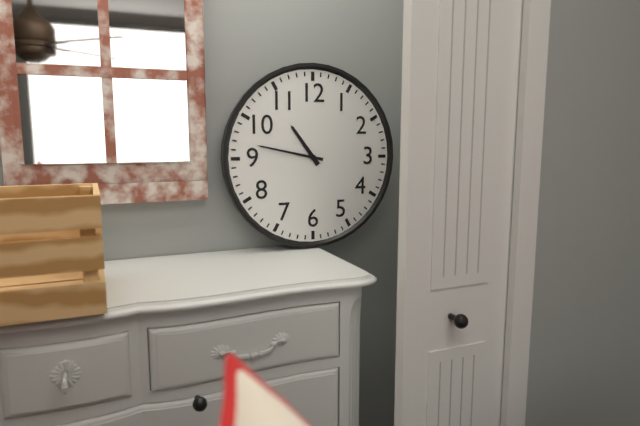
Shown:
10.47
